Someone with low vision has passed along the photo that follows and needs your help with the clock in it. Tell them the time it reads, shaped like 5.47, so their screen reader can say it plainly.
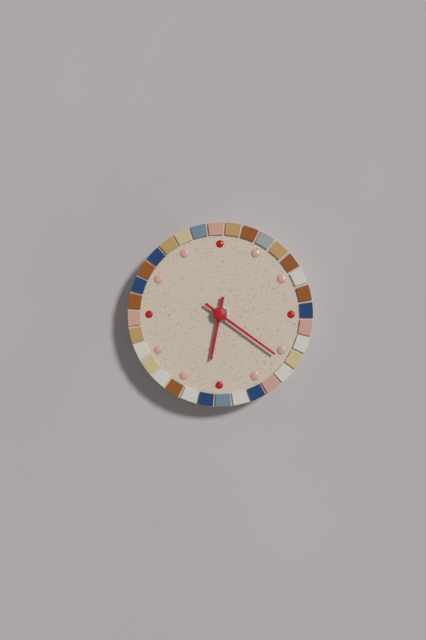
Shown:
6.21
